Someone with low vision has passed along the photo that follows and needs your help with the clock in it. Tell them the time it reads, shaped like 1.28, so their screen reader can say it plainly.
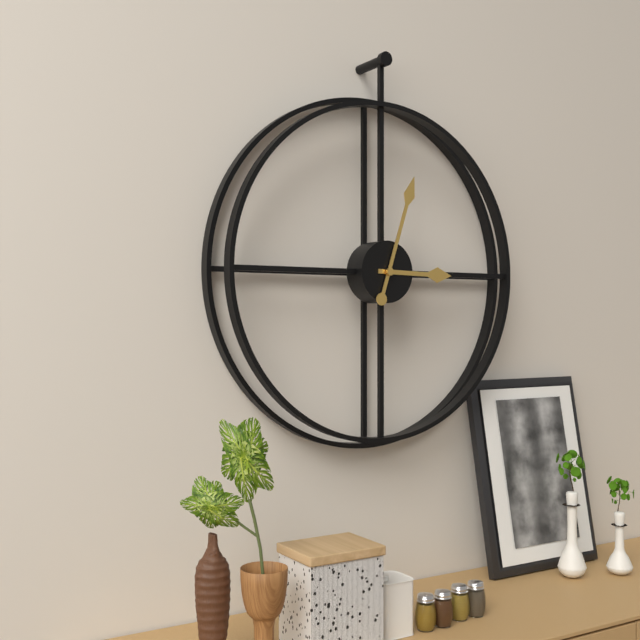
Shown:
3.03
